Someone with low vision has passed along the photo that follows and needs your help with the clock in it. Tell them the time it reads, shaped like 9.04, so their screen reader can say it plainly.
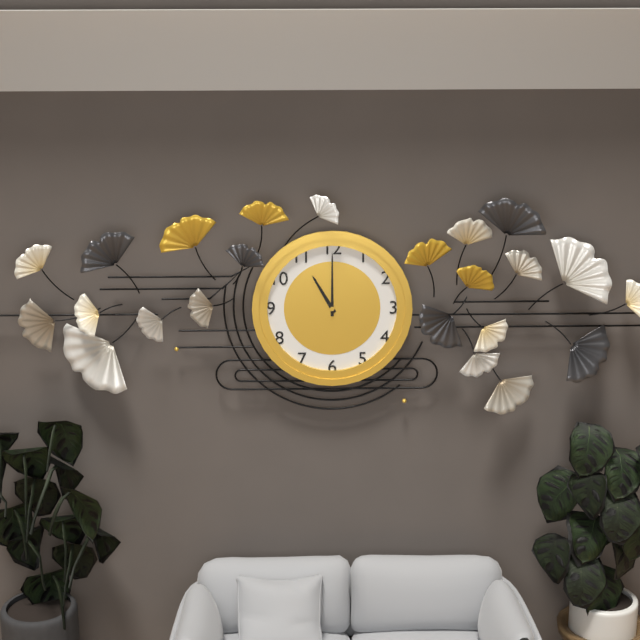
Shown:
11.00
